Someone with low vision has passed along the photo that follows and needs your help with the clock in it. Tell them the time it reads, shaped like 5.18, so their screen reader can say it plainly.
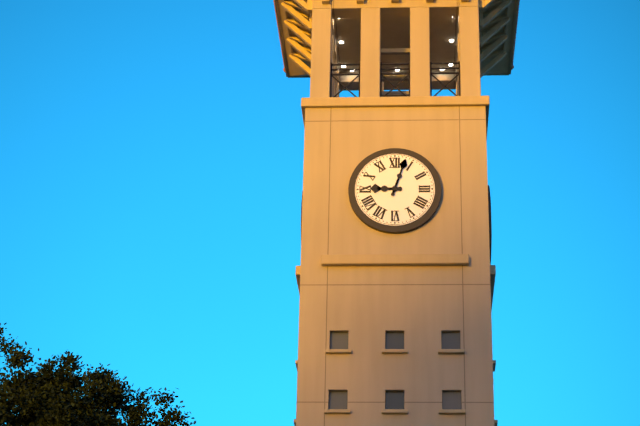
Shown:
9.03
